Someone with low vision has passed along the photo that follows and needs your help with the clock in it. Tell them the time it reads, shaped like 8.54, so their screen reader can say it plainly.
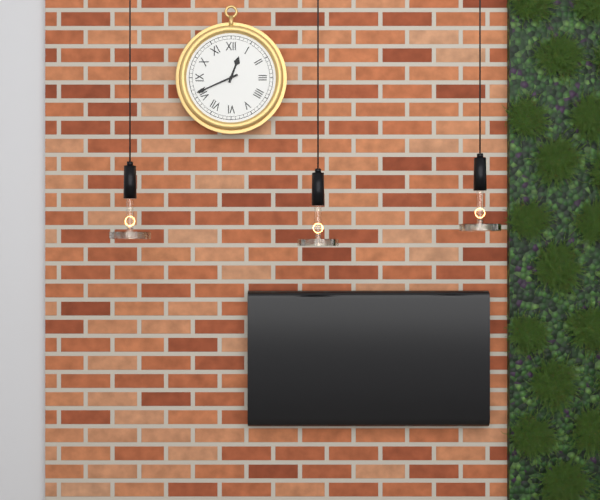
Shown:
12.41
